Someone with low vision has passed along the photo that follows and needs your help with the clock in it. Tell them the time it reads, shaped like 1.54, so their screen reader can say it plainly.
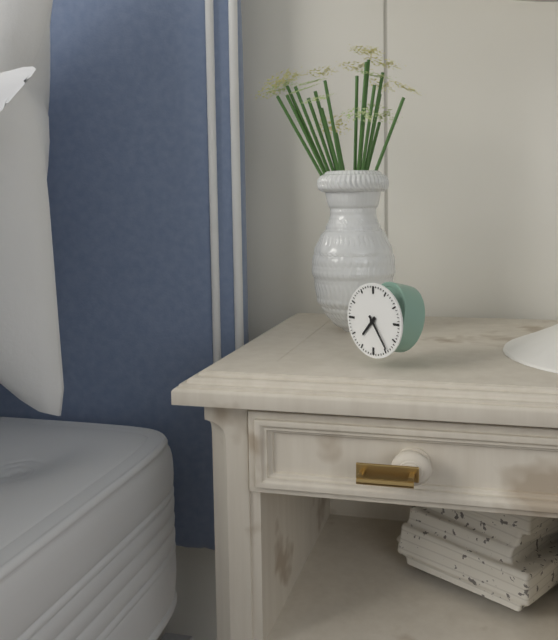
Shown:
7.24
